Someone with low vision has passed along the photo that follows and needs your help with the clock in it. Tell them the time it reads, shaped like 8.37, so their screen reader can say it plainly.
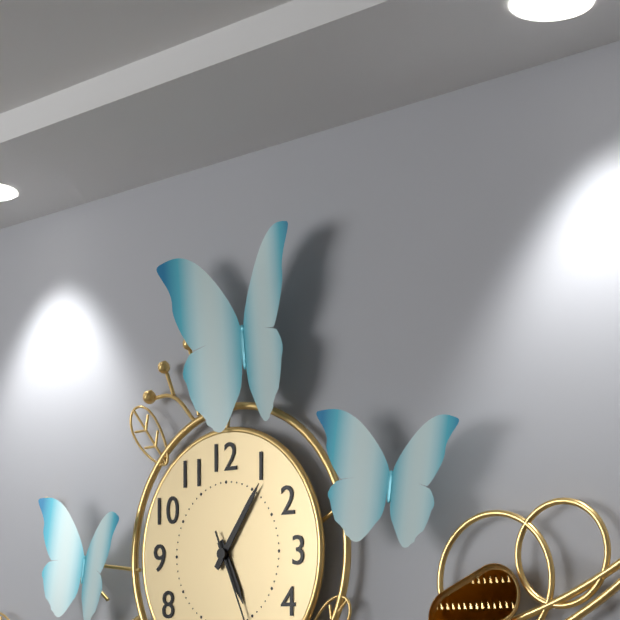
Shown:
5.06
